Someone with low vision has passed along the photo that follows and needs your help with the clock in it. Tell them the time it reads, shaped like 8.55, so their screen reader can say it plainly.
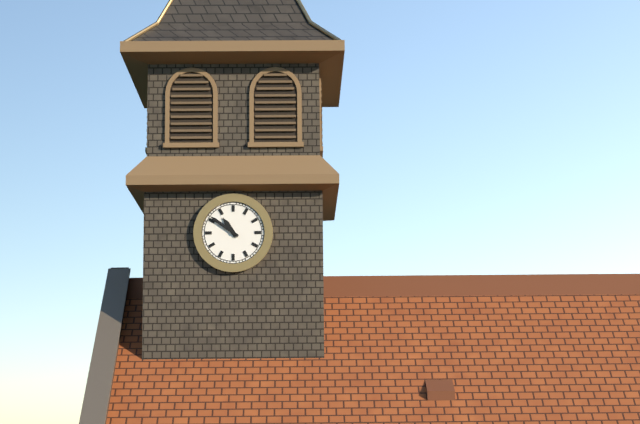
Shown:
10.51
